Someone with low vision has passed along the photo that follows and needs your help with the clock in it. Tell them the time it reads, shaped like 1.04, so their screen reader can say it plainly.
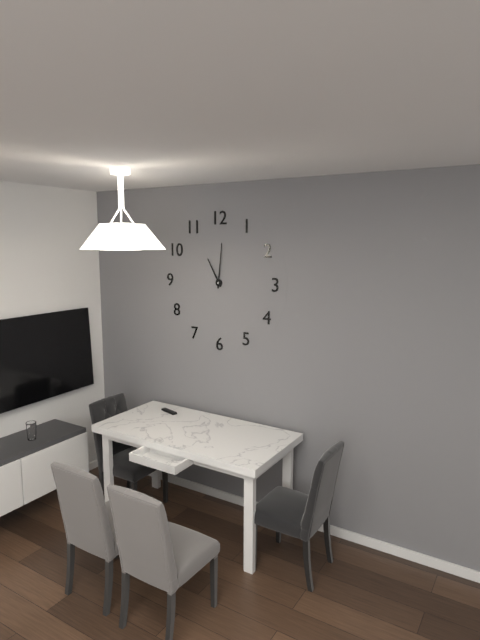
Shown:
11.01
